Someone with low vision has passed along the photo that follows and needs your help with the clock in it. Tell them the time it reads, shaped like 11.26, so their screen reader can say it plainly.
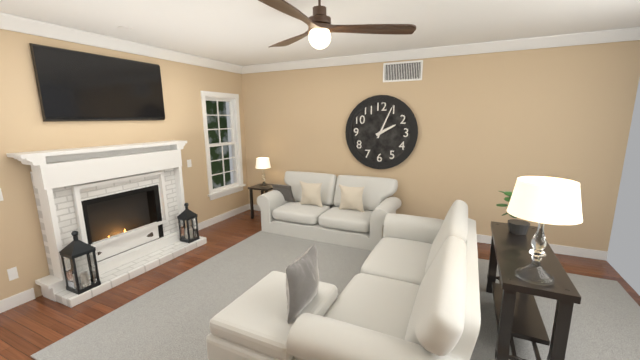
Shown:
2.04
